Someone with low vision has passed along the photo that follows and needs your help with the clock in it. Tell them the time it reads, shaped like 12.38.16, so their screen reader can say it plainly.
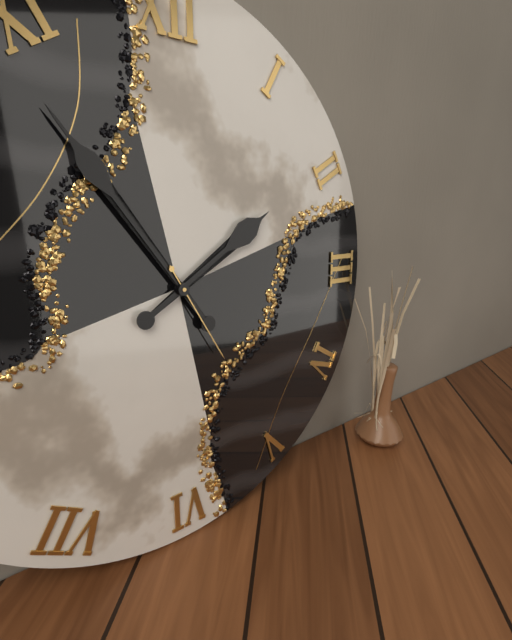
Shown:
1.54.25
